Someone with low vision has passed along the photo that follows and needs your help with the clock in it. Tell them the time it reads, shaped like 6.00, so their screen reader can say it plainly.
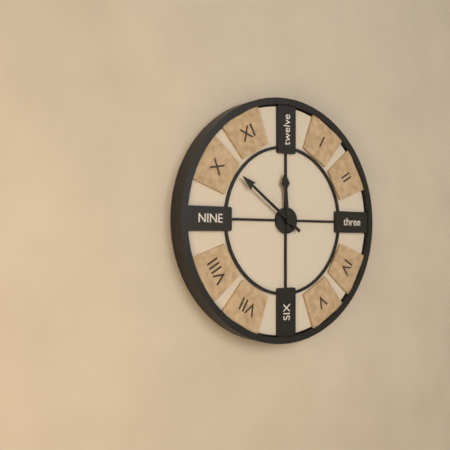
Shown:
11.51
